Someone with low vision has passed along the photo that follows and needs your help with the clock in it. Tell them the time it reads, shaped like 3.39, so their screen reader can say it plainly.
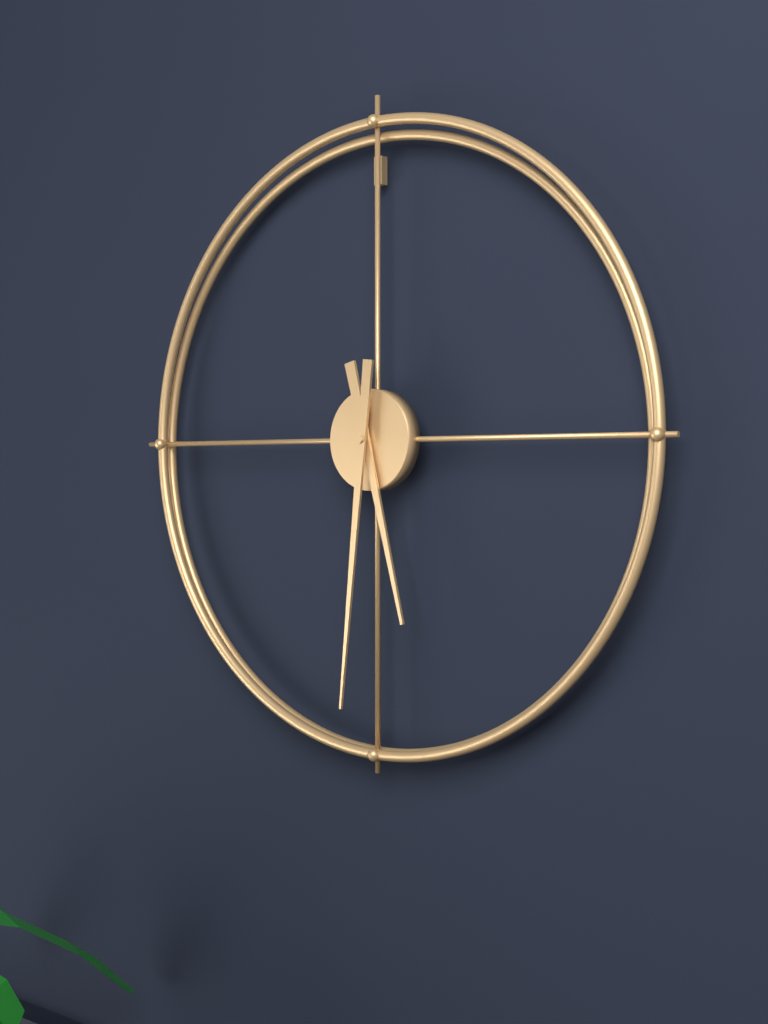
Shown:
5.31
